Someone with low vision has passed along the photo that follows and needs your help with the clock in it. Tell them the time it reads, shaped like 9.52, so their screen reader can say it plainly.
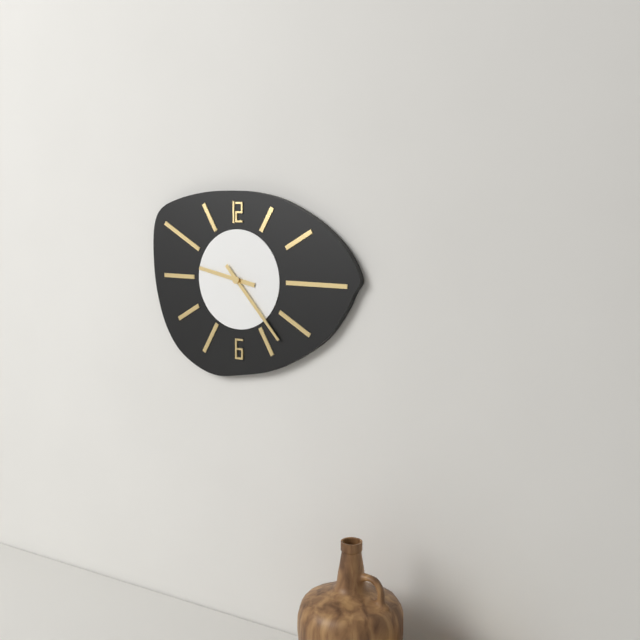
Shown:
9.23
